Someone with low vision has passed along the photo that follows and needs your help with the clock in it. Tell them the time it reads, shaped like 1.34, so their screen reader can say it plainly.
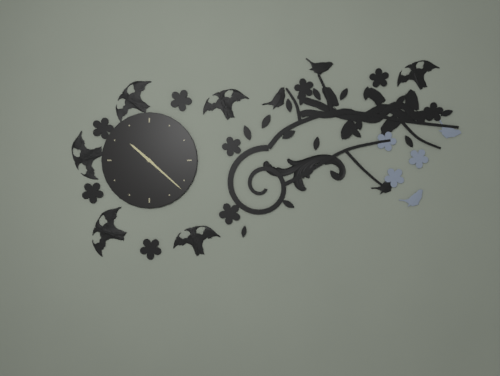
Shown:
10.22
